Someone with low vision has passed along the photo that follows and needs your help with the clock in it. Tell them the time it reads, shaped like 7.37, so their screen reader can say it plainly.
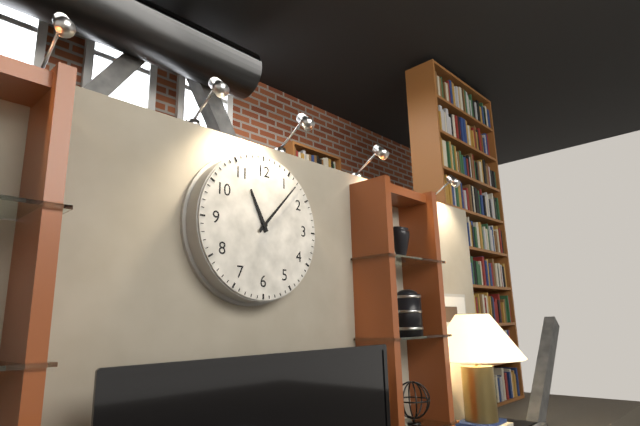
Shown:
11.07
